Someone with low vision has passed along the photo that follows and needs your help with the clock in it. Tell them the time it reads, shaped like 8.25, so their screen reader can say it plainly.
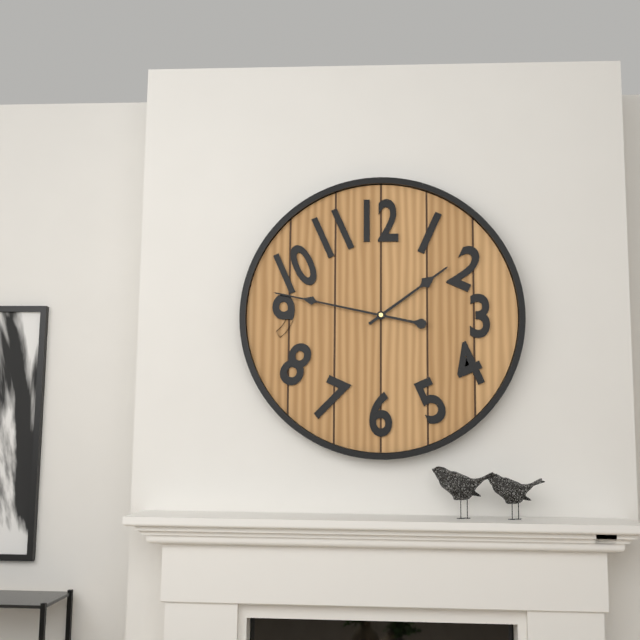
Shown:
1.47
